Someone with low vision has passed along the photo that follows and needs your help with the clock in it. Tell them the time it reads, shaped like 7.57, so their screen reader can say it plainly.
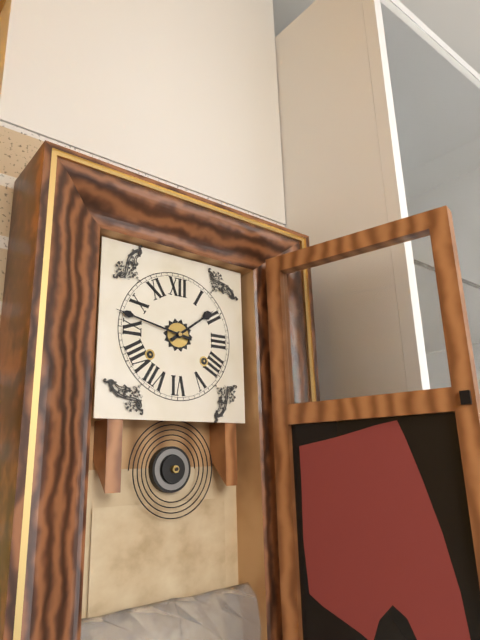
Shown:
1.47
